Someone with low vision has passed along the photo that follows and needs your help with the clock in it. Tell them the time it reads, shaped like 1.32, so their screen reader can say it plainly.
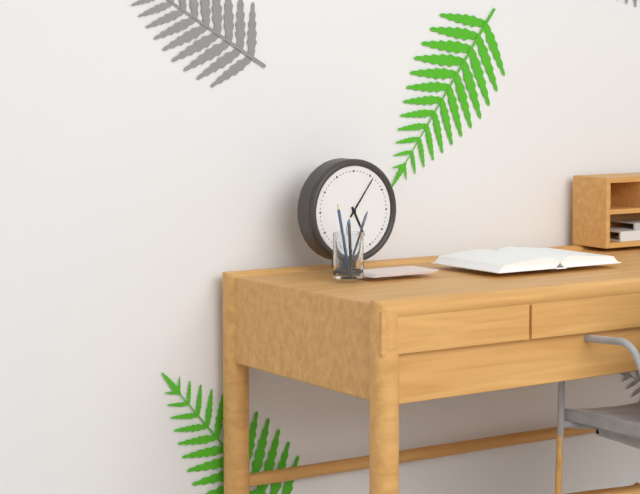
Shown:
5.06
